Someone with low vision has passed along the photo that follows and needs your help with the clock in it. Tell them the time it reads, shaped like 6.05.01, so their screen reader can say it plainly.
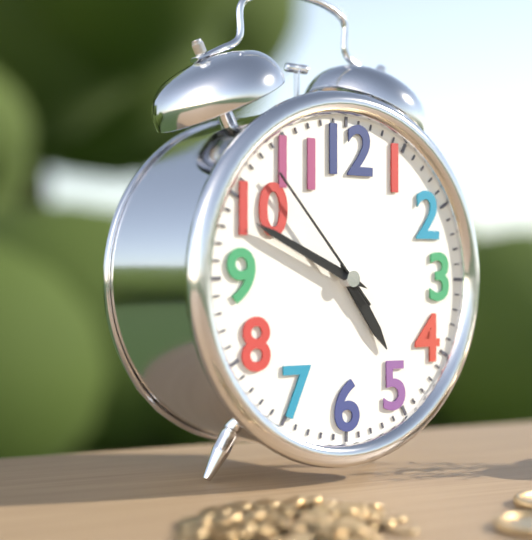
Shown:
4.49.53
